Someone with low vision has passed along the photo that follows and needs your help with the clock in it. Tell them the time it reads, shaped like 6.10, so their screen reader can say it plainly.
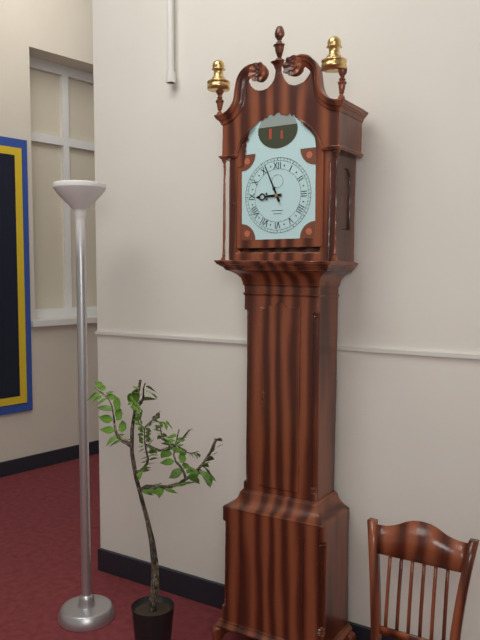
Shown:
8.56
